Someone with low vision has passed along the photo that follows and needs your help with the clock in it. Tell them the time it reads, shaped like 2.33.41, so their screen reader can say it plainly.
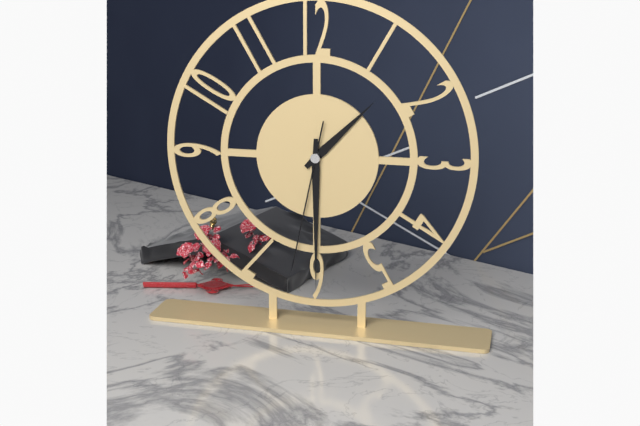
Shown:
1.30.32
